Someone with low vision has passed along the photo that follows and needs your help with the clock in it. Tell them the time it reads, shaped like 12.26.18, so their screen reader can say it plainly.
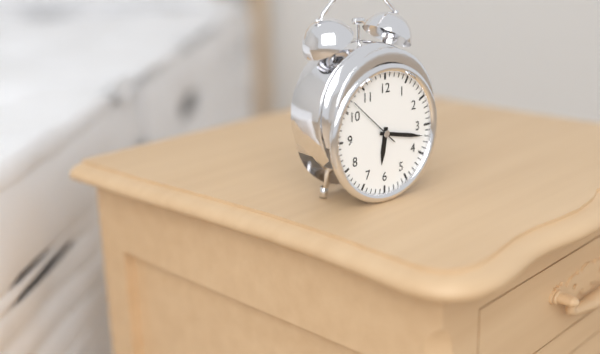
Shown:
6.17.52
